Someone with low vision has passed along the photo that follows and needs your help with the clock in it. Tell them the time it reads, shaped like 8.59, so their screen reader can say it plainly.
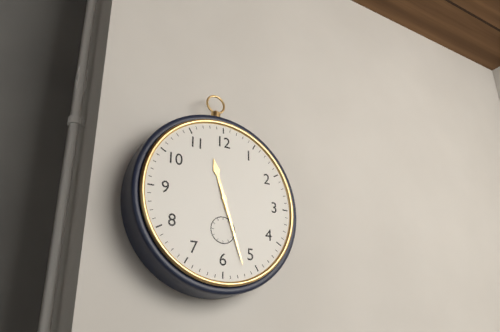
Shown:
11.27
